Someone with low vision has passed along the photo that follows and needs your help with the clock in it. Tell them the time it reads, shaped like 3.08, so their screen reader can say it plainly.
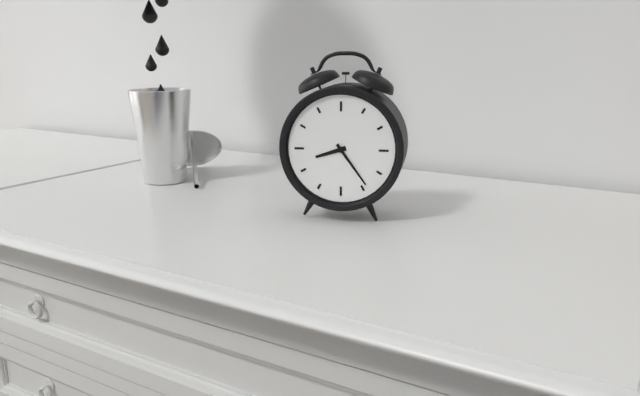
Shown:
8.24
